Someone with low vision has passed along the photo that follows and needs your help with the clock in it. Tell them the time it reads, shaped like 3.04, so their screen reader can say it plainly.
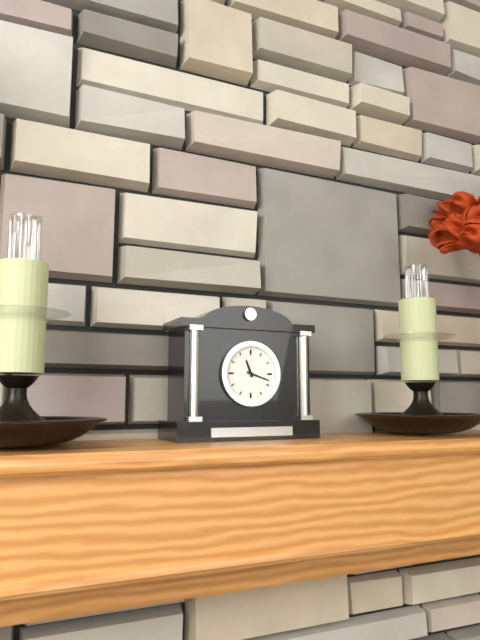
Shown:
11.18
